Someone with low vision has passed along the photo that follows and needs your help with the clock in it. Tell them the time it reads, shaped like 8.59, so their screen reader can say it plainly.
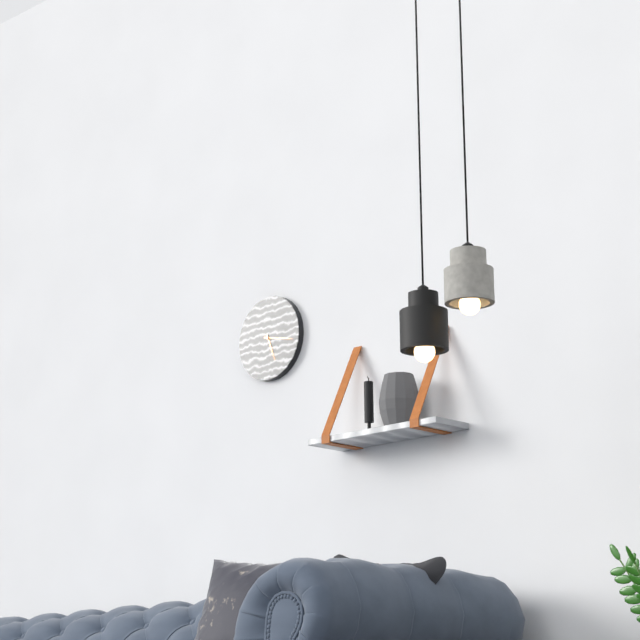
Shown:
5.17
